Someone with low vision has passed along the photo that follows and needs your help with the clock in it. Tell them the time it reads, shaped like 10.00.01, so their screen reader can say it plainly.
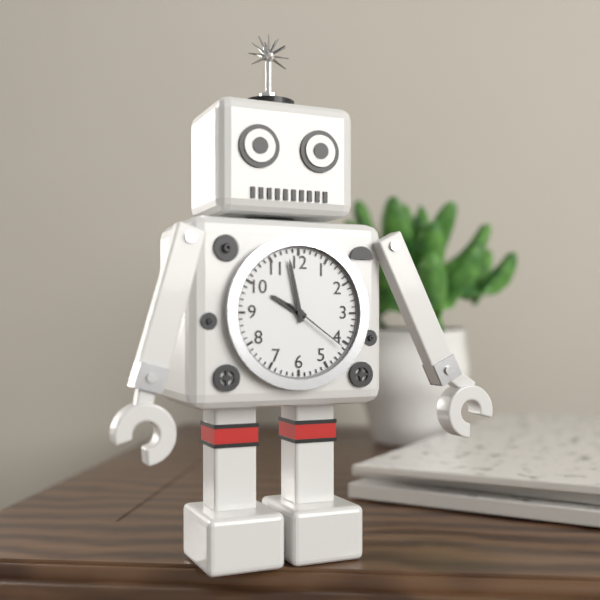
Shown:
9.58.21
